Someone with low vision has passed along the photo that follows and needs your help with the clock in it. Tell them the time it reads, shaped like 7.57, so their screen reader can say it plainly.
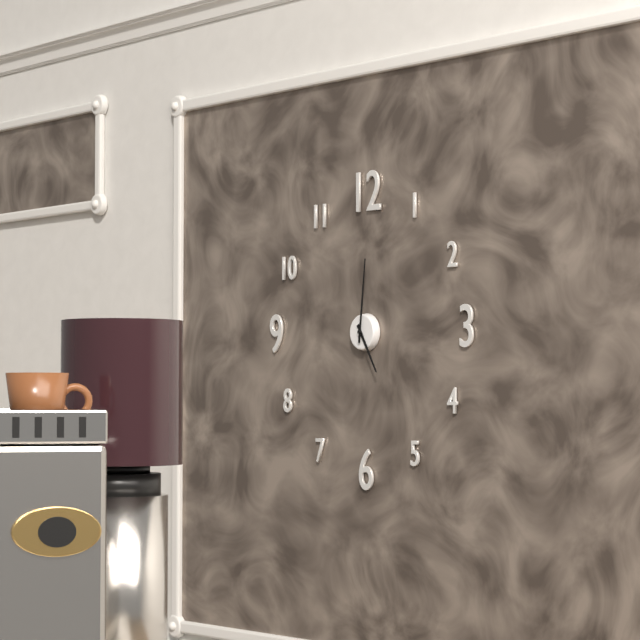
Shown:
5.01
